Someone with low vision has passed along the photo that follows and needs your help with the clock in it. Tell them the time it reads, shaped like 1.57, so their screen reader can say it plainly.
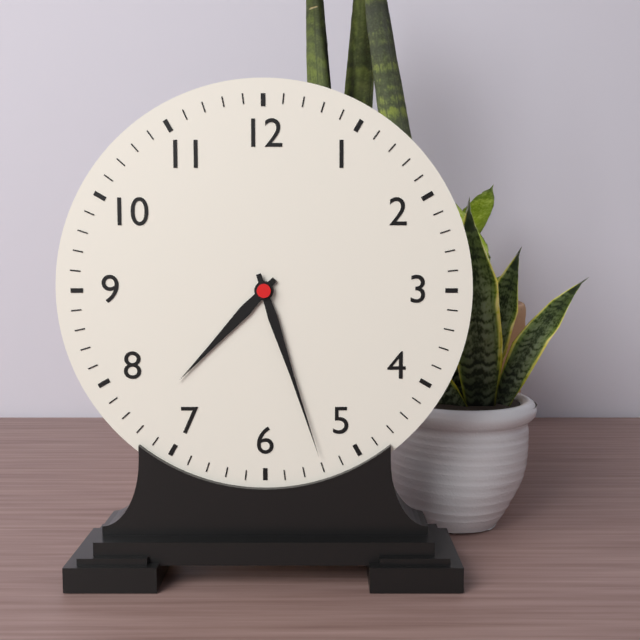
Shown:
7.27
